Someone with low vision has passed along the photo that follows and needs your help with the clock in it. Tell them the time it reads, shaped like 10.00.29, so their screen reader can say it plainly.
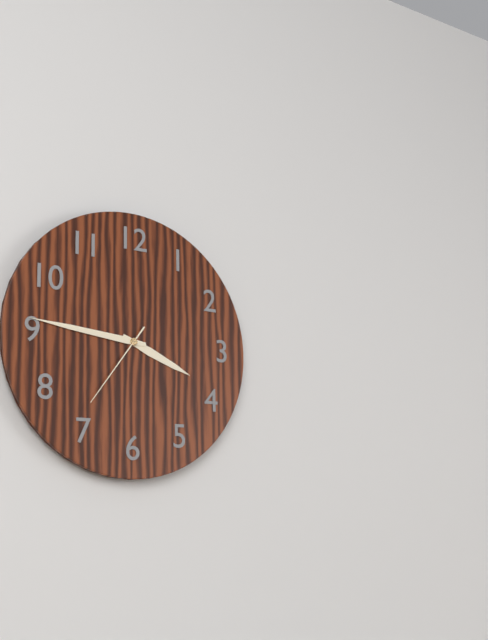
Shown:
3.46.36
